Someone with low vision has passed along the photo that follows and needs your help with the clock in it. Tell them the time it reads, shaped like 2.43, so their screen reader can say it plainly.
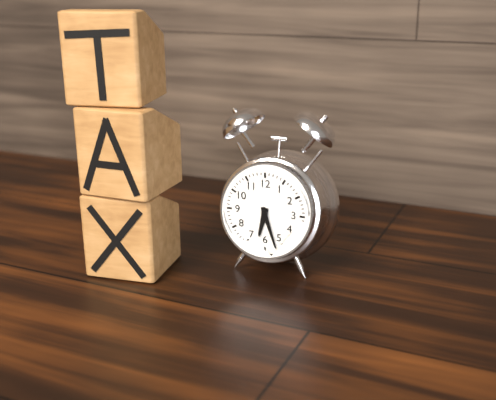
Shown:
6.27
